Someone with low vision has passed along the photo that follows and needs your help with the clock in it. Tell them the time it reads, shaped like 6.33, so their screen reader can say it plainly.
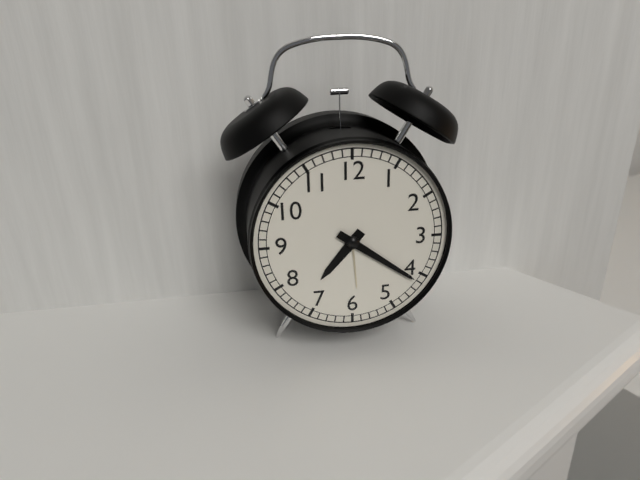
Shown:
7.21
